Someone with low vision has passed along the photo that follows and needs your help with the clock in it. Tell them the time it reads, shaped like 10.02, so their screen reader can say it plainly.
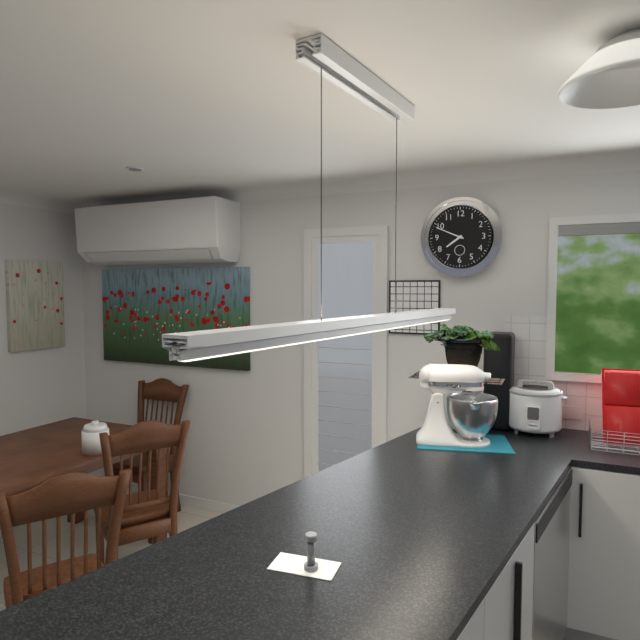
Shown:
7.49
